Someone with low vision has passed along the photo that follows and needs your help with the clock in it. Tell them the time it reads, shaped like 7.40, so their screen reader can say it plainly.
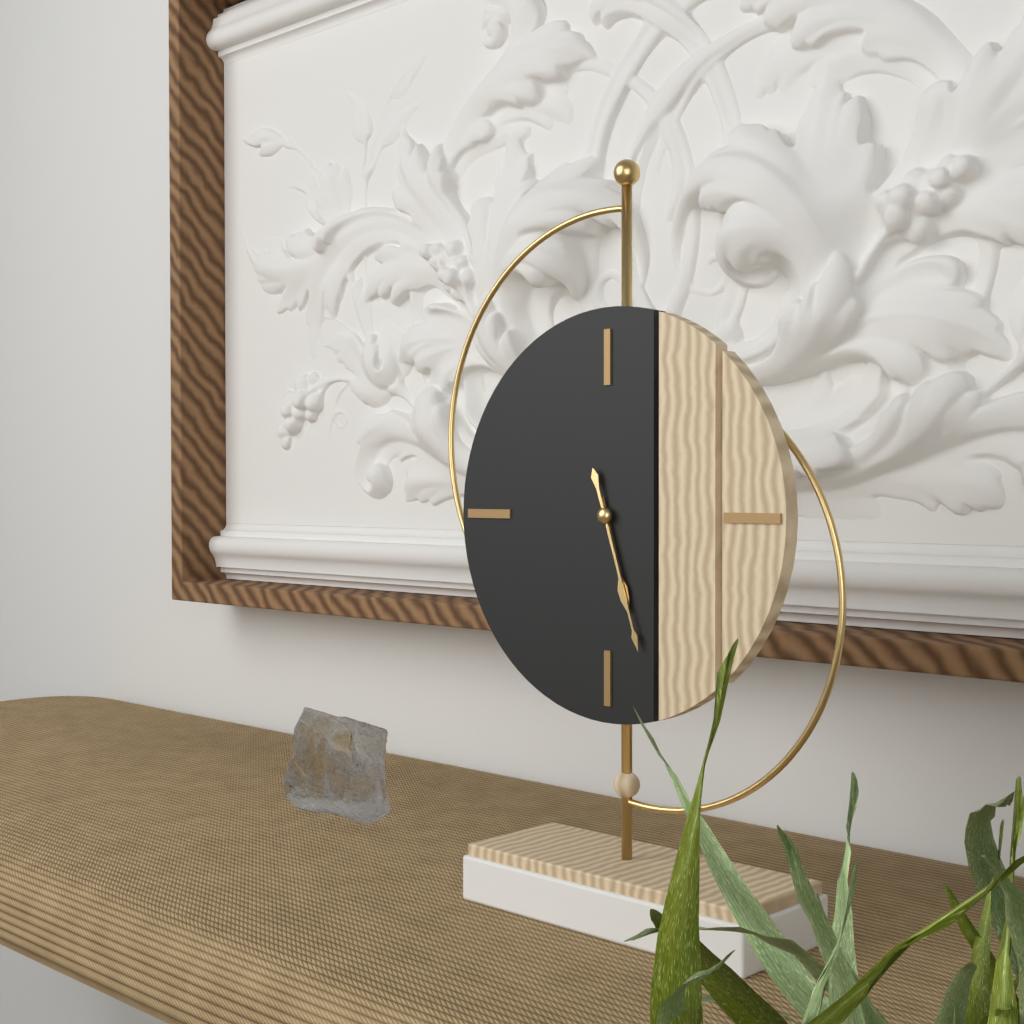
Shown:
5.27
